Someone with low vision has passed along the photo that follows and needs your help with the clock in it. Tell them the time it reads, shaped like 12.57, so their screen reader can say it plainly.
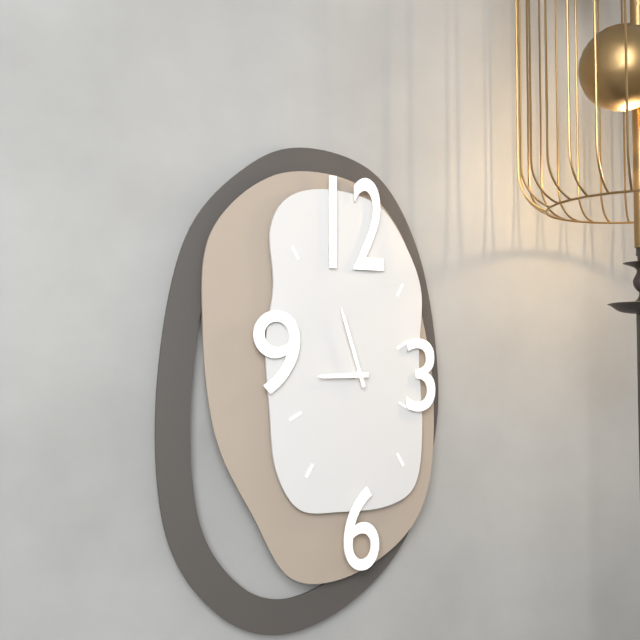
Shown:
8.57
